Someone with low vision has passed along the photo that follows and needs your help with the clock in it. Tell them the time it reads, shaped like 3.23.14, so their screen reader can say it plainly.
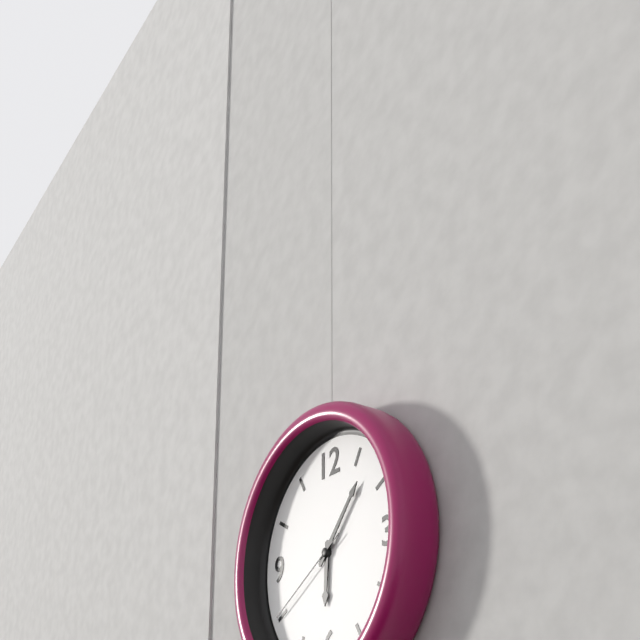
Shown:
6.07.40
